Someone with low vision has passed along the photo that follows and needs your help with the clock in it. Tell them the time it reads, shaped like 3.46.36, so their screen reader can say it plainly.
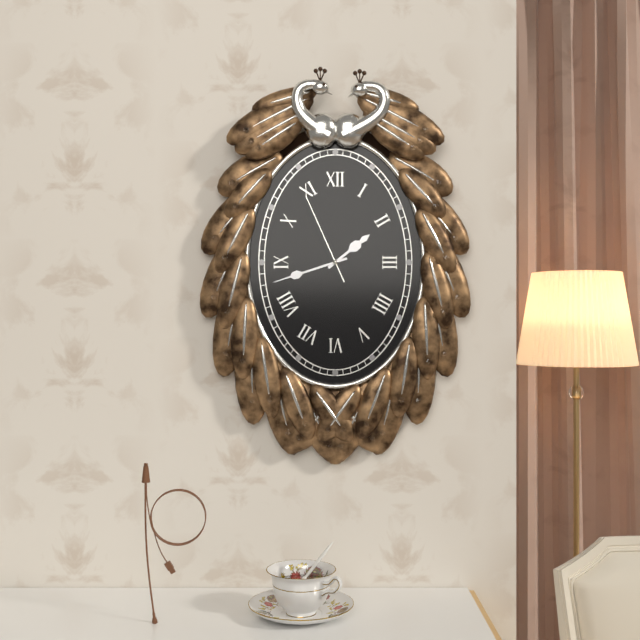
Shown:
1.42.56
